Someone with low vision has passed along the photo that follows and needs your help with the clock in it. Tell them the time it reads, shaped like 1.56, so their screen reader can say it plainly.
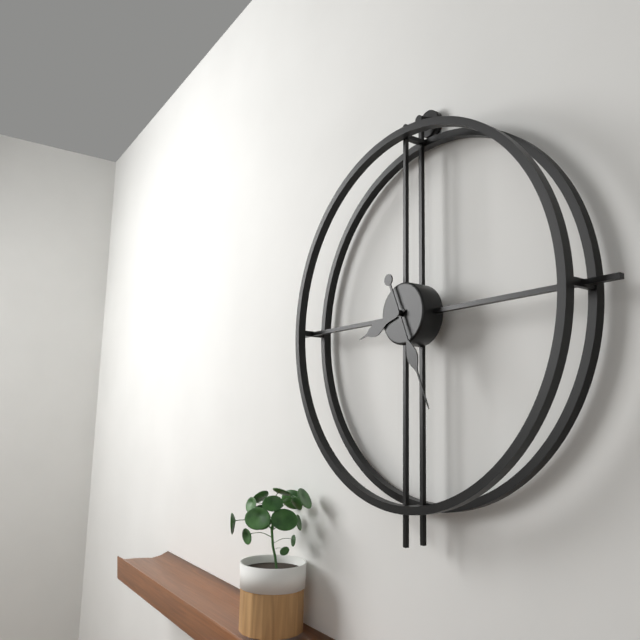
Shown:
8.26
